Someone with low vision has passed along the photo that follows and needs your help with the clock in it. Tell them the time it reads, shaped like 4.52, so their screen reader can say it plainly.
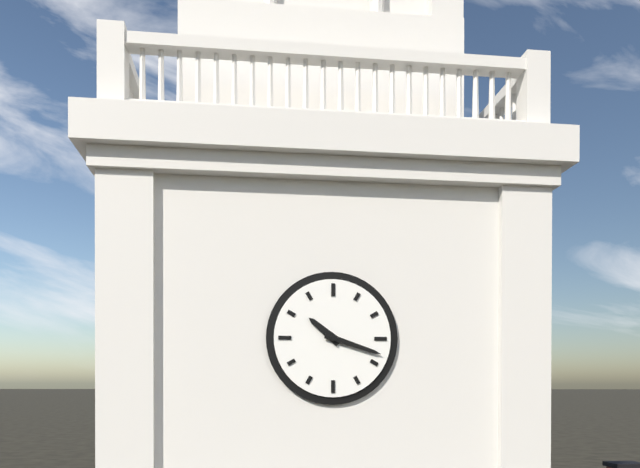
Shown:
10.18
